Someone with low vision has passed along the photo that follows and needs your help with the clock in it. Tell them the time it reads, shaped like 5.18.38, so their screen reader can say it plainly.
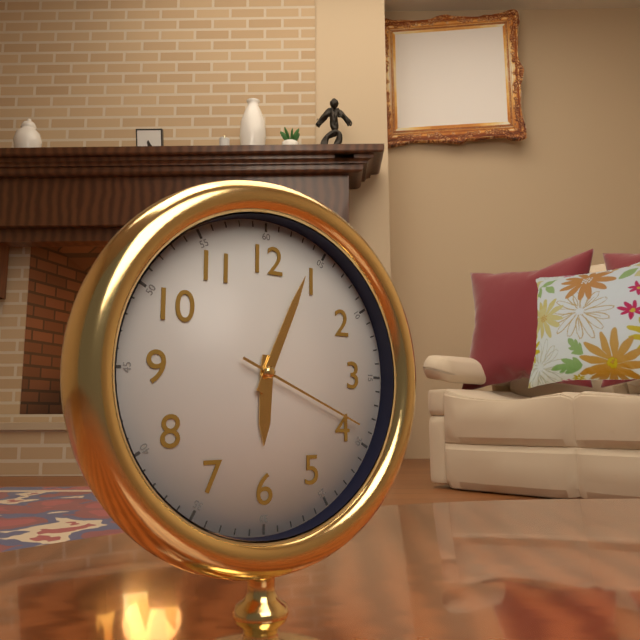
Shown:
6.04.19
